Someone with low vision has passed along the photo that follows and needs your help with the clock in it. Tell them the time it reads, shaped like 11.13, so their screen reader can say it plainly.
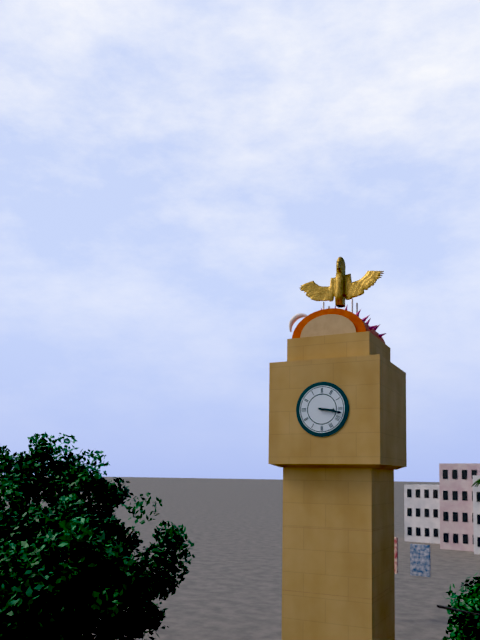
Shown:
3.17
